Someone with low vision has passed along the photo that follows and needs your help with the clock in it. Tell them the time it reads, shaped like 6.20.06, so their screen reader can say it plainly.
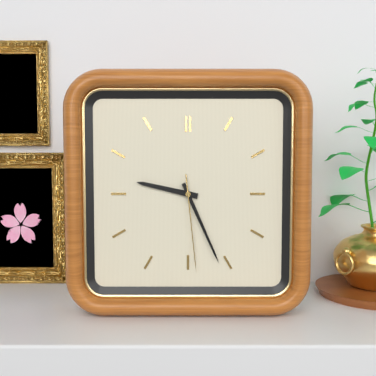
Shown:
9.26.29
